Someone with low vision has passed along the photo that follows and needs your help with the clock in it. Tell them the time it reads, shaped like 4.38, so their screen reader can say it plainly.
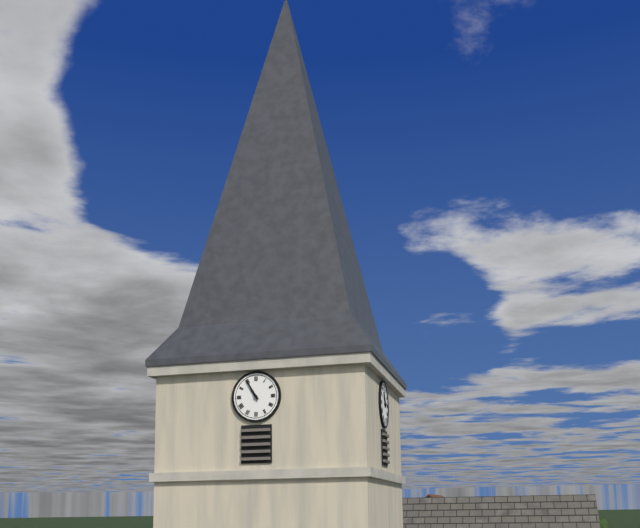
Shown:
10.55
